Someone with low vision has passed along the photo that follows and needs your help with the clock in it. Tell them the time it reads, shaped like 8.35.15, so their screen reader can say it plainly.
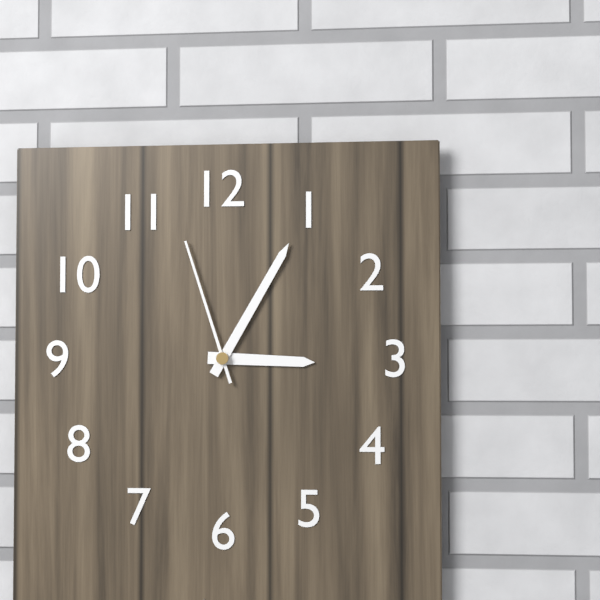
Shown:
3.05.57
